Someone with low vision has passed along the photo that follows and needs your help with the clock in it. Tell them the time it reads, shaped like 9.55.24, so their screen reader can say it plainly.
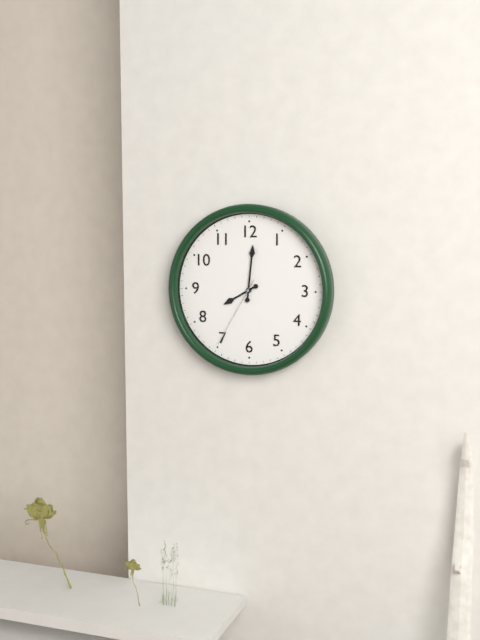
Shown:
8.01.35
